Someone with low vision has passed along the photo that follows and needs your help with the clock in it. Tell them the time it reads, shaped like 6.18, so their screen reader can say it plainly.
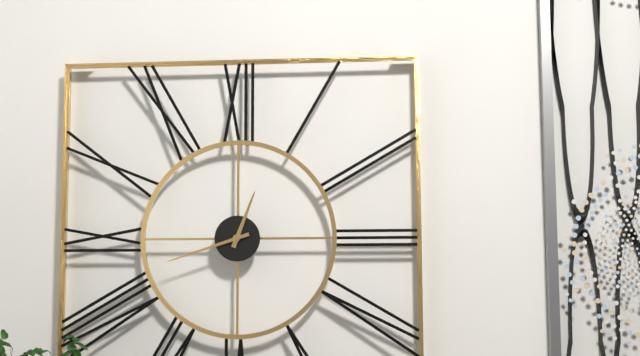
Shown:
12.42
